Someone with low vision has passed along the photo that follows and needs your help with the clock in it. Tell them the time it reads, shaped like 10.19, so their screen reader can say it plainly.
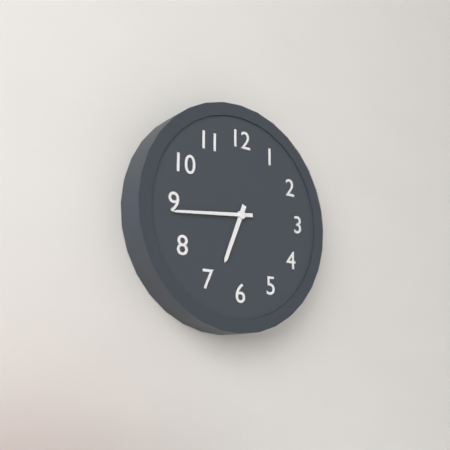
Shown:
6.44
